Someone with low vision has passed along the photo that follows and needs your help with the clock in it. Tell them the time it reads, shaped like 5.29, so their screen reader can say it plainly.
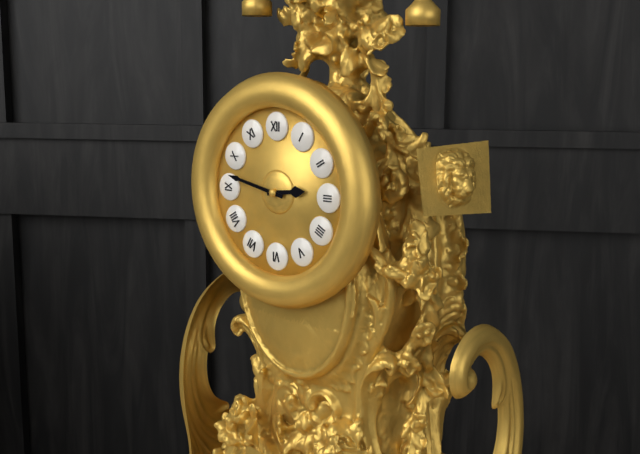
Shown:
2.47
